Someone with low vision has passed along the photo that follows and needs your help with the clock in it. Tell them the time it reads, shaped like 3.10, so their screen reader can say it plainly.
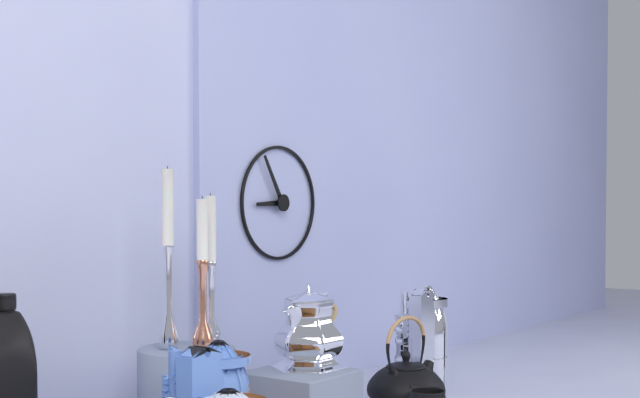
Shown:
8.55
